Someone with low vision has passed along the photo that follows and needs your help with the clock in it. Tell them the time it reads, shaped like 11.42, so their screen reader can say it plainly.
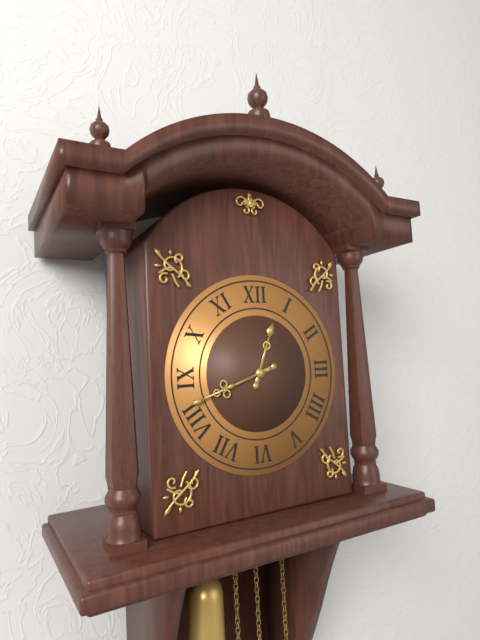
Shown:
12.42
